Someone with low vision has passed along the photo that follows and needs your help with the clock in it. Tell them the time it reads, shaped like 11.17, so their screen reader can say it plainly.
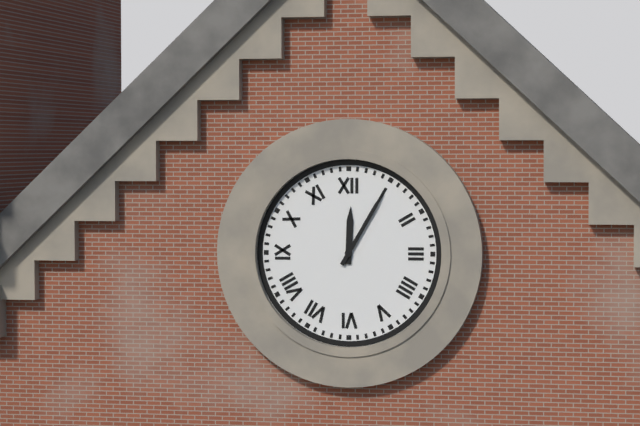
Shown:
12.05
